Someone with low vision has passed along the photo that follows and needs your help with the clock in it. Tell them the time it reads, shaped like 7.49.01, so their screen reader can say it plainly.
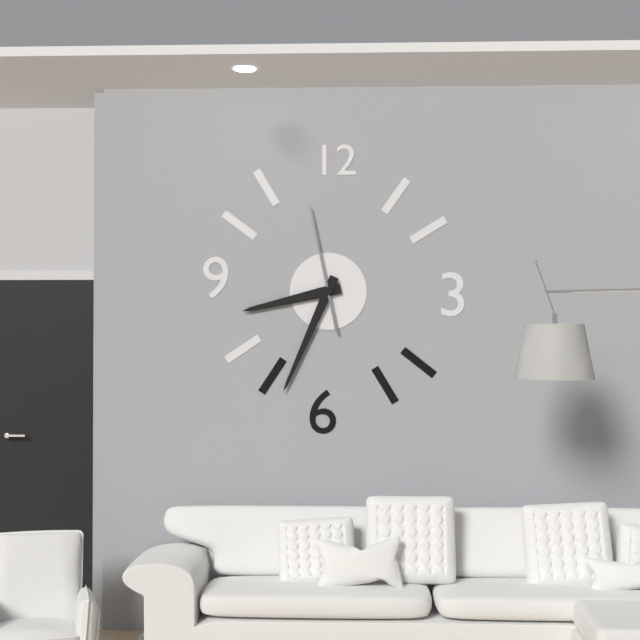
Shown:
8.34.58
